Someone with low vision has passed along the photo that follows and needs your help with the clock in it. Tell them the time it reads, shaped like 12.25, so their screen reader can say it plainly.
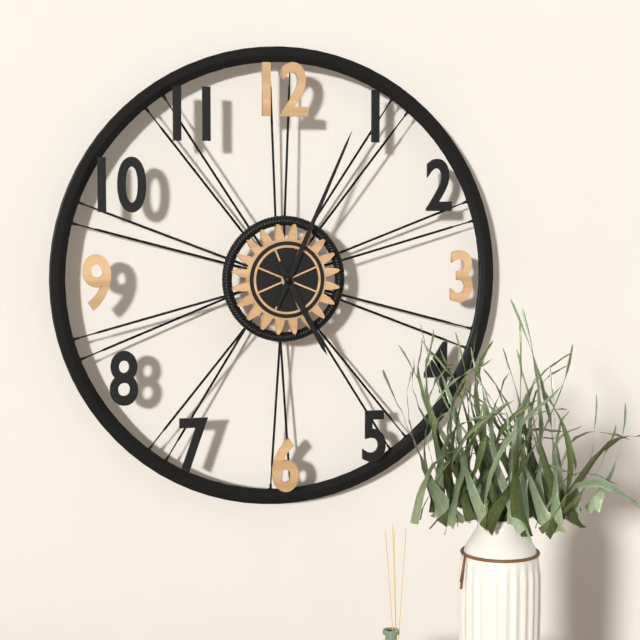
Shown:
5.04
